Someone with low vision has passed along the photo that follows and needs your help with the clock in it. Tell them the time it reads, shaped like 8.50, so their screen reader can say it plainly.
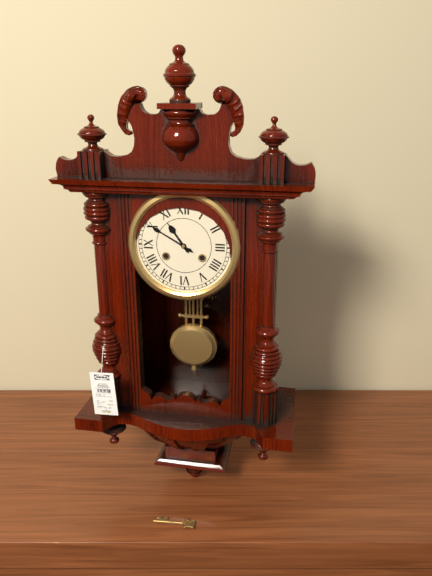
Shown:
10.50
